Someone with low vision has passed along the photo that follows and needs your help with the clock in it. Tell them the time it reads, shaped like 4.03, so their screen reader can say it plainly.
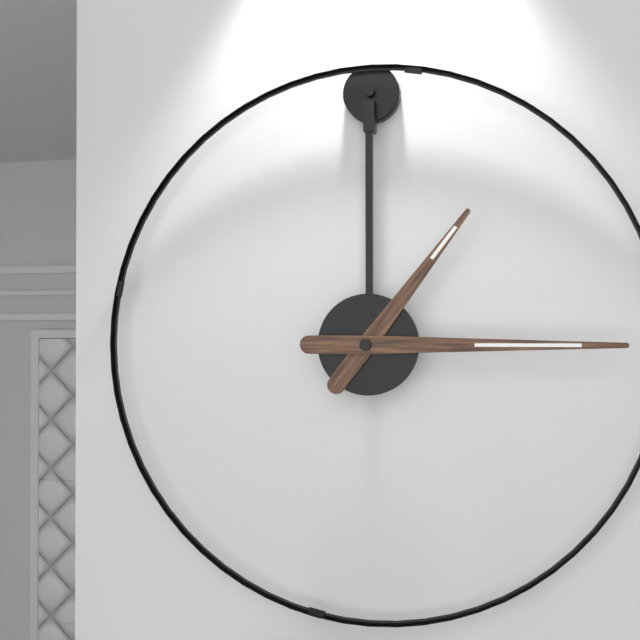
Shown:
1.15
